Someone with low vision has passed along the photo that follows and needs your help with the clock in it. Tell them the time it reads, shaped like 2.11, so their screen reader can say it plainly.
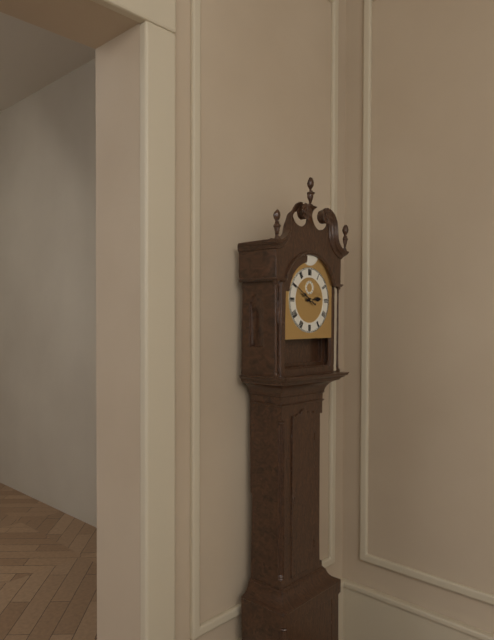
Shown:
2.50
